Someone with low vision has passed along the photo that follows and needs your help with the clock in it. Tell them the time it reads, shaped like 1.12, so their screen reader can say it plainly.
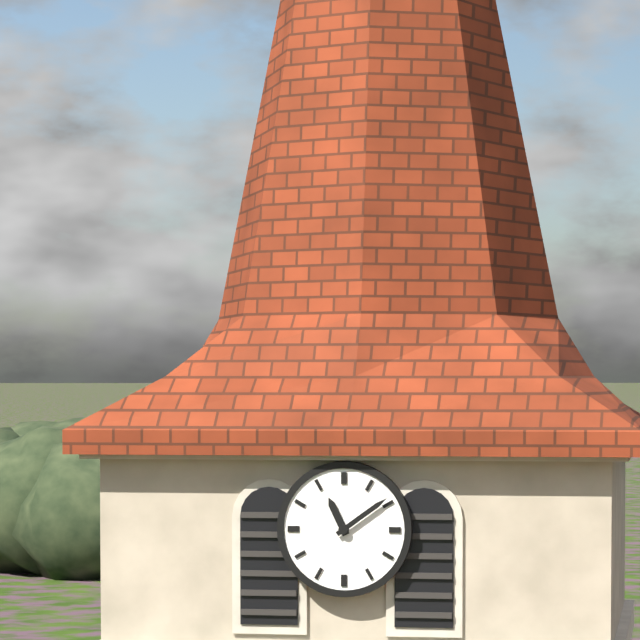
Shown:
11.09
